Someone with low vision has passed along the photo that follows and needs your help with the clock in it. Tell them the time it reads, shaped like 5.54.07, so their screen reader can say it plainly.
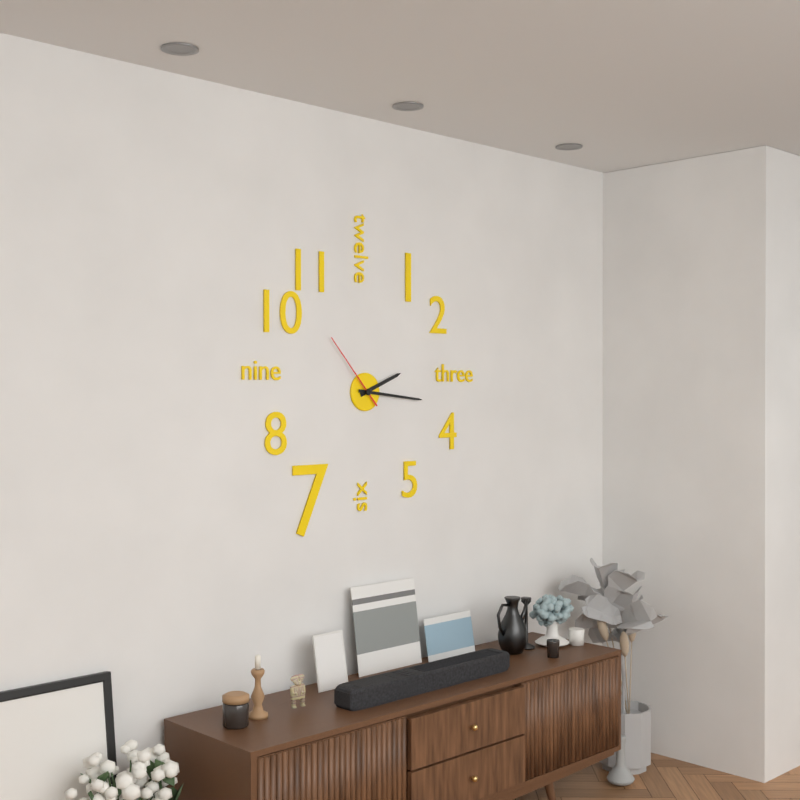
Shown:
2.16.53
